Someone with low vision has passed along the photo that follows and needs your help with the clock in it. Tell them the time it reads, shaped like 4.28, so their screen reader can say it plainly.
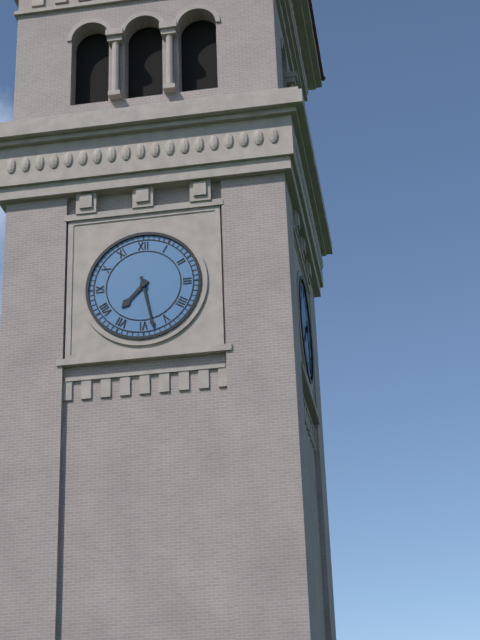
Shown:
7.28
